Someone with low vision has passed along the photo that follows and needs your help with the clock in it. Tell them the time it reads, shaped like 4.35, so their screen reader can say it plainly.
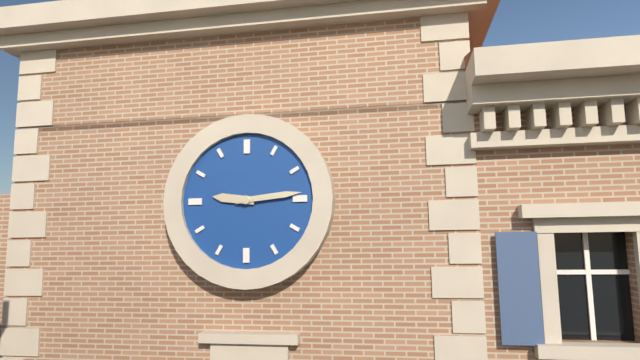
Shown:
9.14
